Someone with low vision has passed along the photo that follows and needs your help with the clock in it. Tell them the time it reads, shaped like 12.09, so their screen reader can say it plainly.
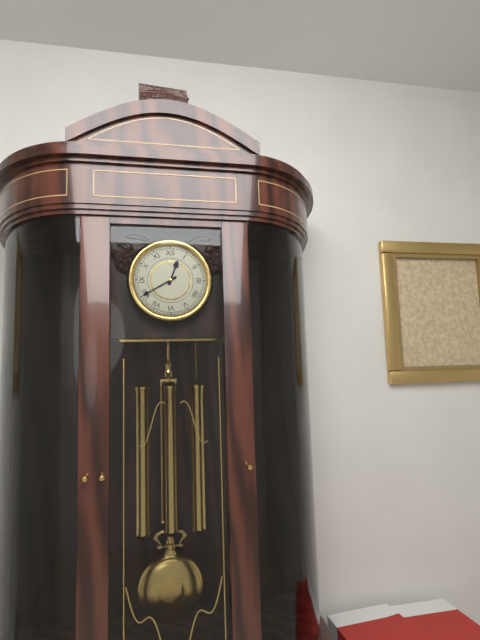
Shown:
12.40
